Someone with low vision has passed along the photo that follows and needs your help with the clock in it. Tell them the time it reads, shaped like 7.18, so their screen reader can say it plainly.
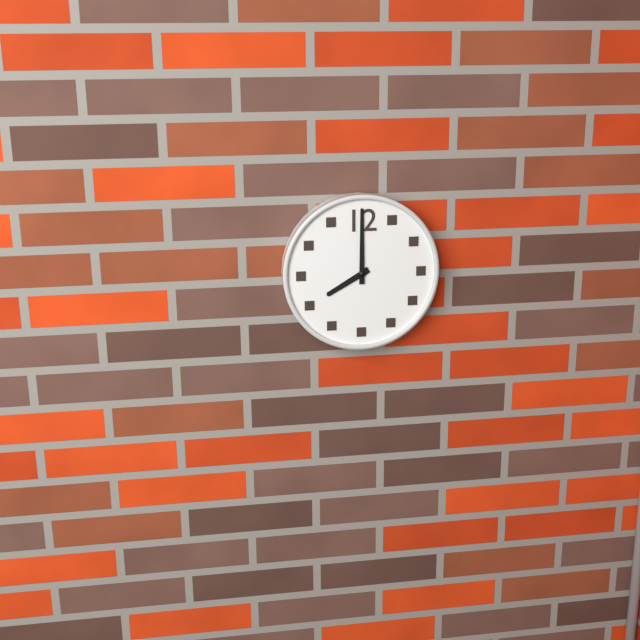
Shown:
8.00
